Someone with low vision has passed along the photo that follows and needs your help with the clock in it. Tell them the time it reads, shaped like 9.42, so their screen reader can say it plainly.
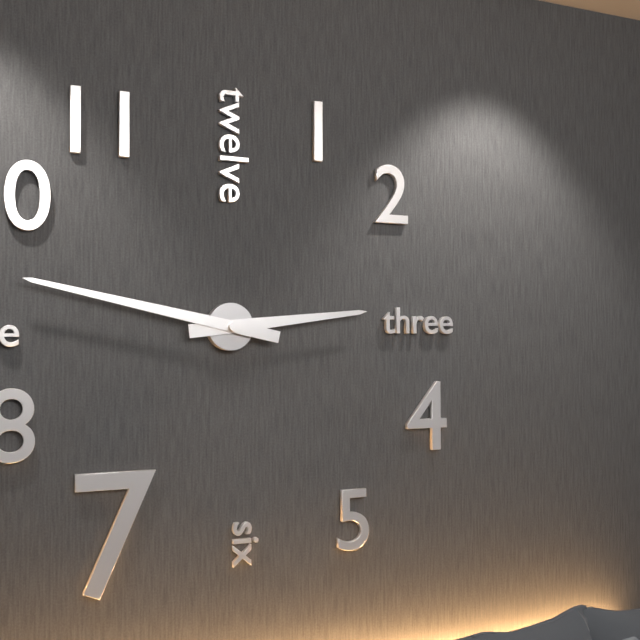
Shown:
2.47
